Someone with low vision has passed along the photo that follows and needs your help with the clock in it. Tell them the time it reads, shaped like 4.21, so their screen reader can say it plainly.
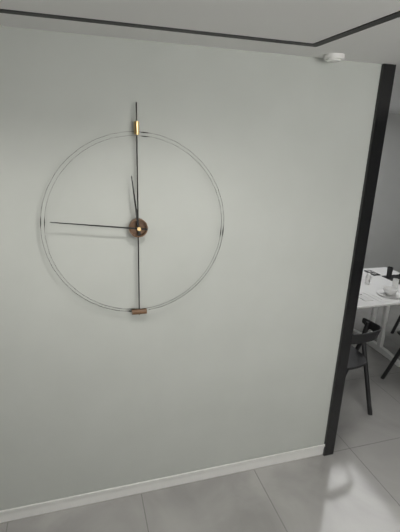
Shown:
11.46
